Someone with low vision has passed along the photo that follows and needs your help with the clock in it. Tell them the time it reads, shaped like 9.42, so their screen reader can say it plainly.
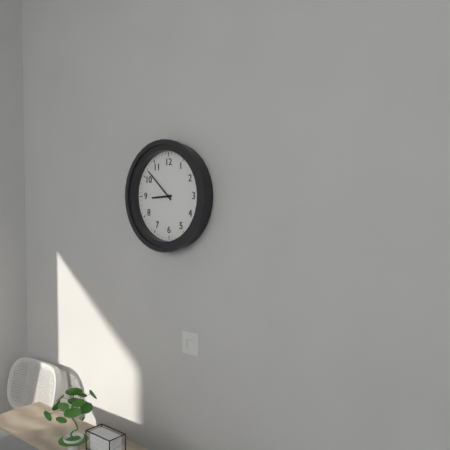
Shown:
8.52
